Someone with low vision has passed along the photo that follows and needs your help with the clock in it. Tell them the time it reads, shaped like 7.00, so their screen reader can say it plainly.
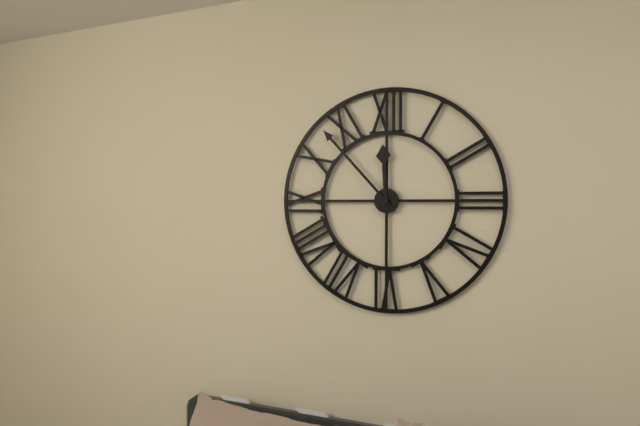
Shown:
11.53
